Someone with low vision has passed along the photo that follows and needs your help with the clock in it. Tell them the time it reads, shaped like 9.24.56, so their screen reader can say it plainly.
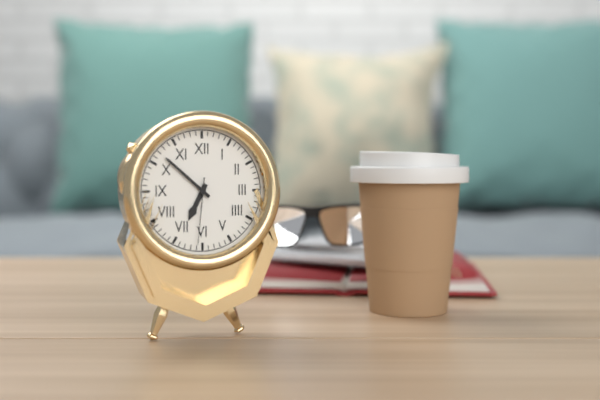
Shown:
6.52.31
